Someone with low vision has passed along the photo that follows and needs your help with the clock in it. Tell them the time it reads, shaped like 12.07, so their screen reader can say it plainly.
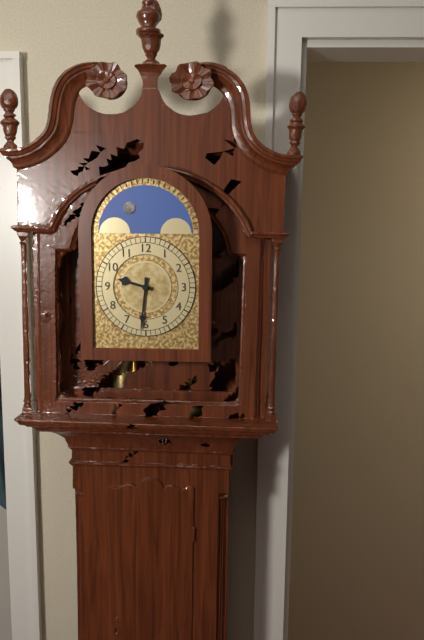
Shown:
9.31
